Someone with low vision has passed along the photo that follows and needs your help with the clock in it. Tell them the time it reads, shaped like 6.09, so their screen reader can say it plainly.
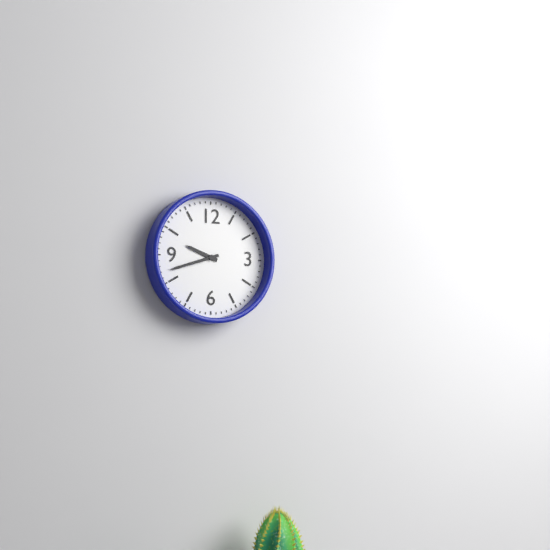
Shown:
9.42
